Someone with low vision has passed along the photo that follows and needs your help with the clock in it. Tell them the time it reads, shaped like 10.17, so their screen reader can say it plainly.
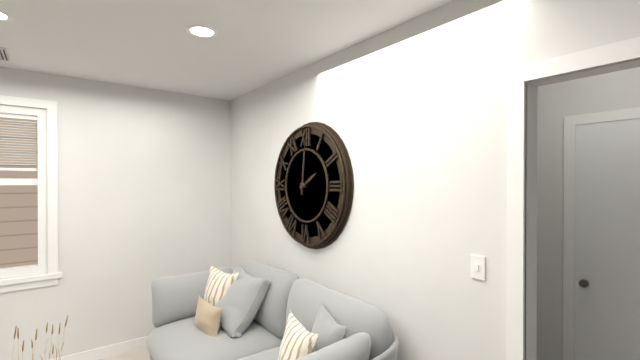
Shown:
2.01
